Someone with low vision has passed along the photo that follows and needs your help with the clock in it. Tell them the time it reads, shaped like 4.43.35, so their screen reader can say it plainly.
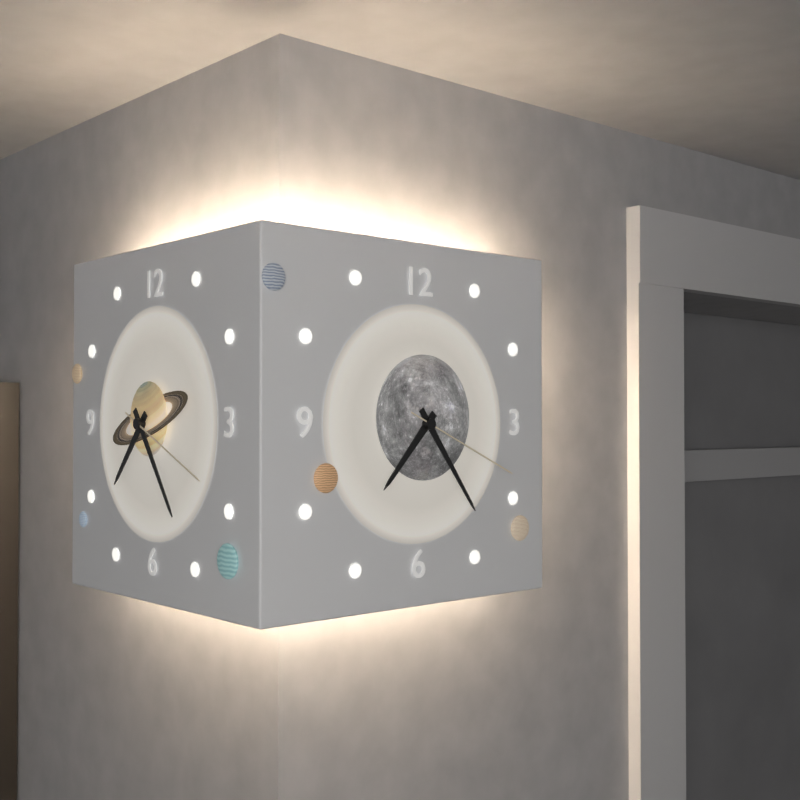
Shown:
7.24.19
